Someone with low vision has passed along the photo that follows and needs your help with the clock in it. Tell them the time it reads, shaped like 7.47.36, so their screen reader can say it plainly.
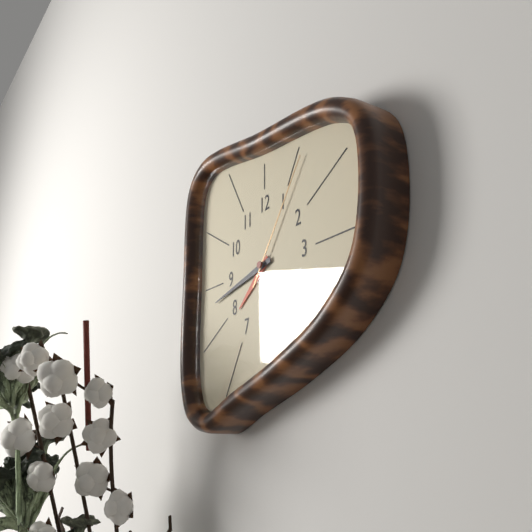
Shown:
7.43.06
